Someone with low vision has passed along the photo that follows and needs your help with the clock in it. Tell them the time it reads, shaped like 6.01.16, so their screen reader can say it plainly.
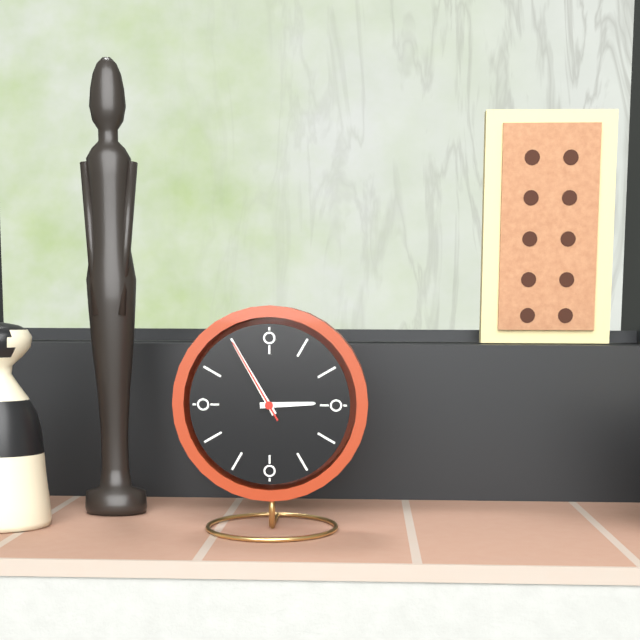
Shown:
2.55.55
